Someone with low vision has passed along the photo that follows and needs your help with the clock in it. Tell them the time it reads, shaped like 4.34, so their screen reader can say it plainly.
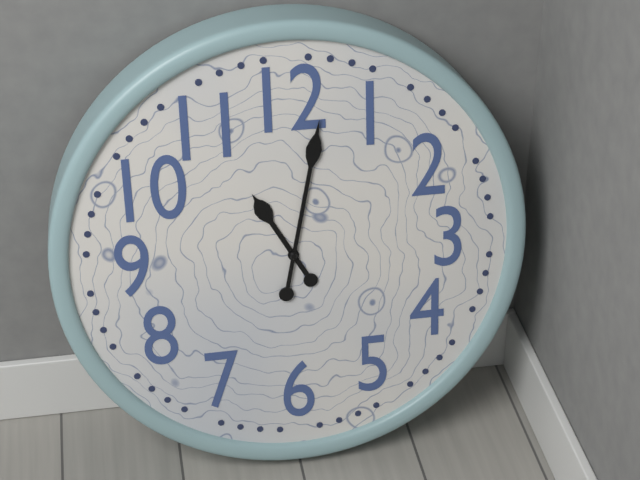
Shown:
11.02
